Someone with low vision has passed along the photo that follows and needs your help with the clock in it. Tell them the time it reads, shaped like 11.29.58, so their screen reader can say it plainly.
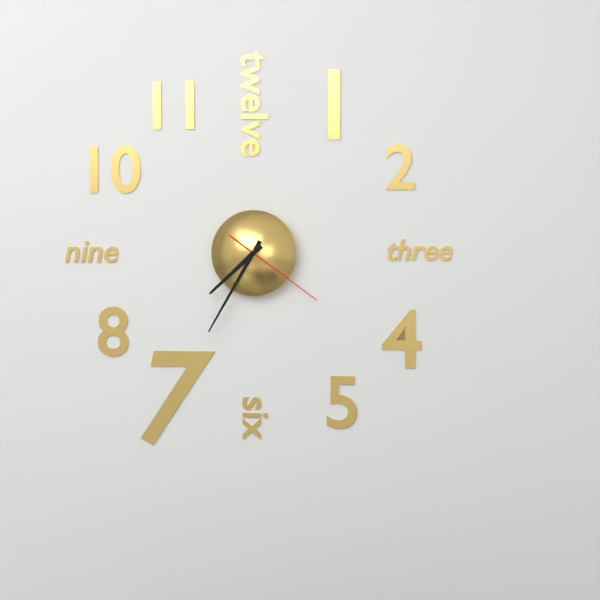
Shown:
7.35.21
